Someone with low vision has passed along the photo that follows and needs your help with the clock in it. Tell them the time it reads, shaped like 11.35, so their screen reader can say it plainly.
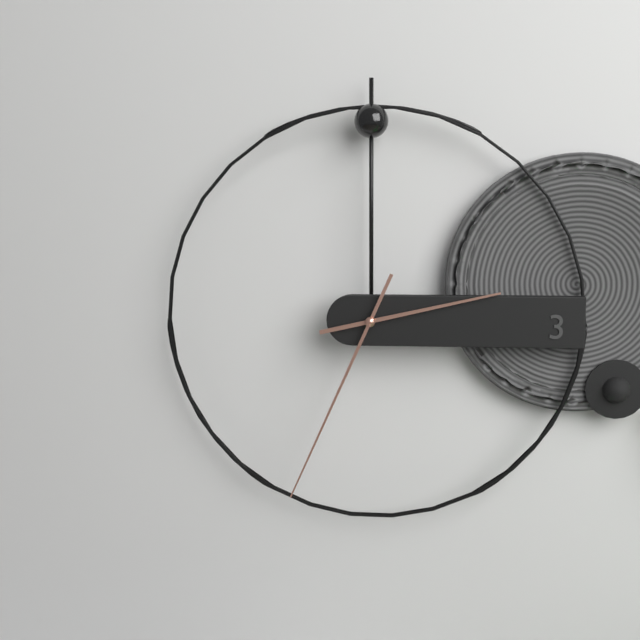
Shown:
2.34
